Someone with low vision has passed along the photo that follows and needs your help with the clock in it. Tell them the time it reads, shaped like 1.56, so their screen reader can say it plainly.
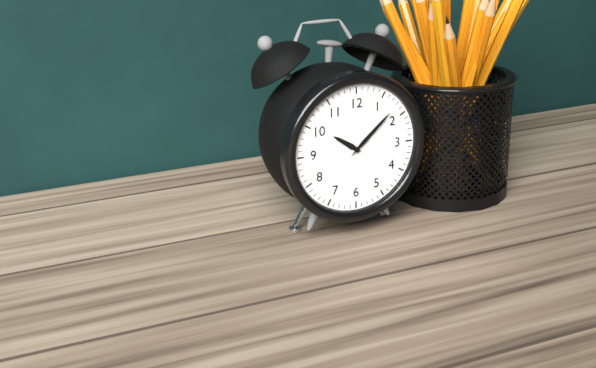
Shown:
10.08
